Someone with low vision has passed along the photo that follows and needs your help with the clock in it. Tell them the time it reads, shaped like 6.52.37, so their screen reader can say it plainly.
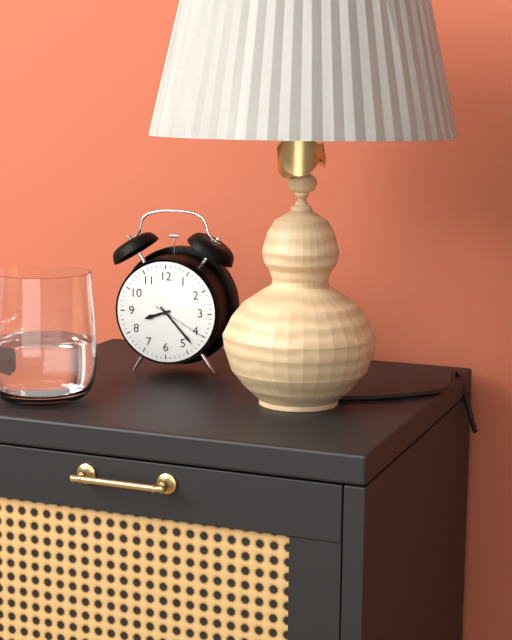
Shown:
8.23.20
